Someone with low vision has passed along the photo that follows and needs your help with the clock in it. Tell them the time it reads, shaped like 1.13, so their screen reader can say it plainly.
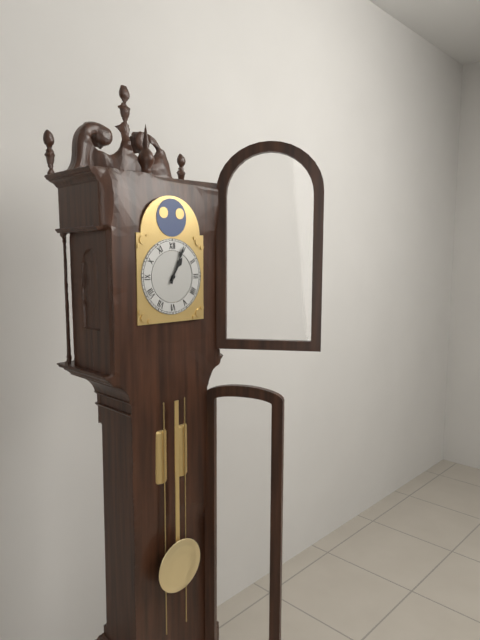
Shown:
1.04
